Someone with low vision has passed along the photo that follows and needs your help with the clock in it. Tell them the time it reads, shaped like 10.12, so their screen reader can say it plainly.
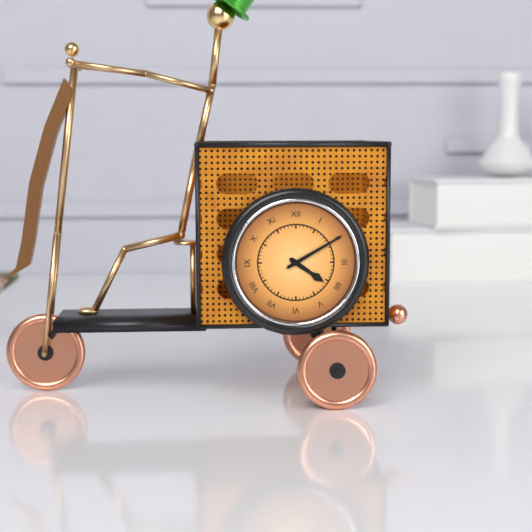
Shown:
4.10
